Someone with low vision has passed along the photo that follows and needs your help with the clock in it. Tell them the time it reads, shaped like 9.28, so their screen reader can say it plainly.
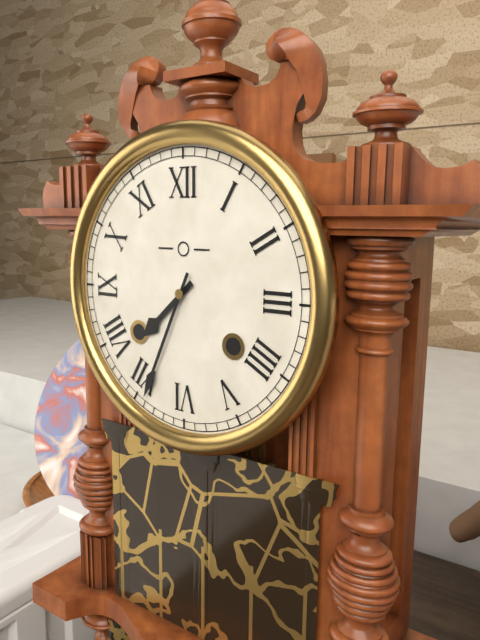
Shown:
7.34
